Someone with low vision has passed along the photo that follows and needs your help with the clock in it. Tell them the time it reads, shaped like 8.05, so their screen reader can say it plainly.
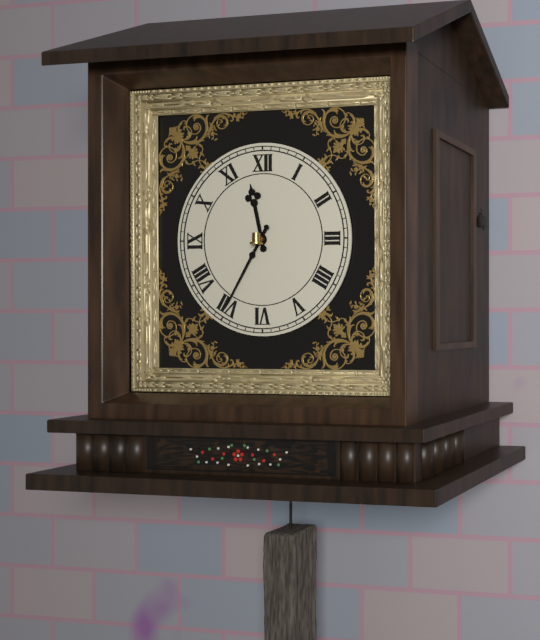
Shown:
11.35
